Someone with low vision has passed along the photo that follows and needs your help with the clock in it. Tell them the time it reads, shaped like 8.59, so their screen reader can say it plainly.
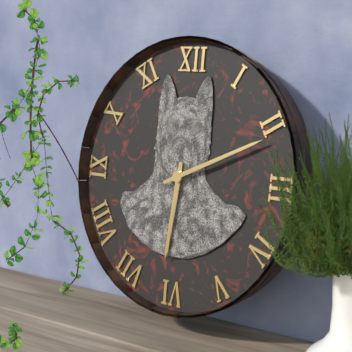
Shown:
6.11
